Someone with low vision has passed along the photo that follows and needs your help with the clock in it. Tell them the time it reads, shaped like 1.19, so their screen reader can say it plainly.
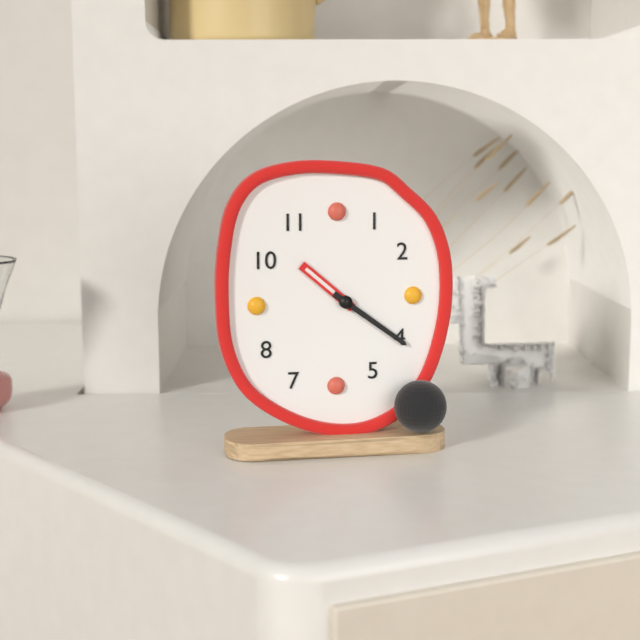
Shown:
10.21
